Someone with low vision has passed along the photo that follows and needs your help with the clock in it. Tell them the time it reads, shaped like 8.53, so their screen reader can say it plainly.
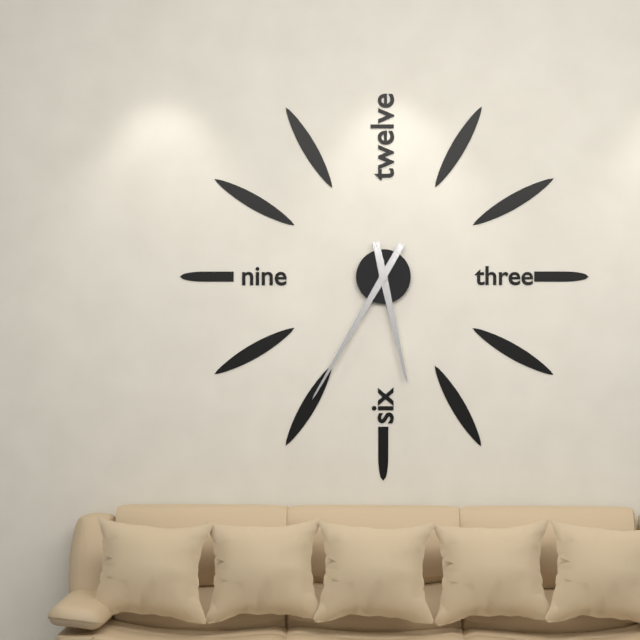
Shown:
5.35
